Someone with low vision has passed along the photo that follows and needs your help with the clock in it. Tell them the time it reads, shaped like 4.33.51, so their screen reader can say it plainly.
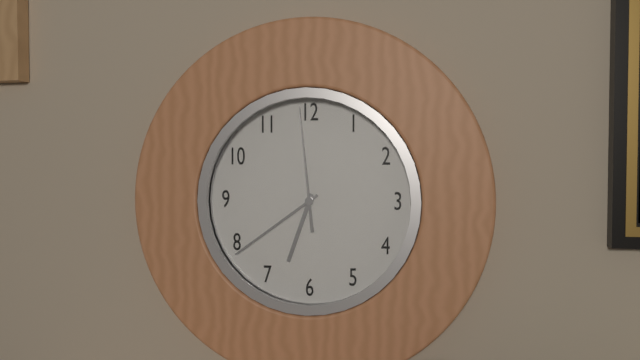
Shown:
6.39.59
